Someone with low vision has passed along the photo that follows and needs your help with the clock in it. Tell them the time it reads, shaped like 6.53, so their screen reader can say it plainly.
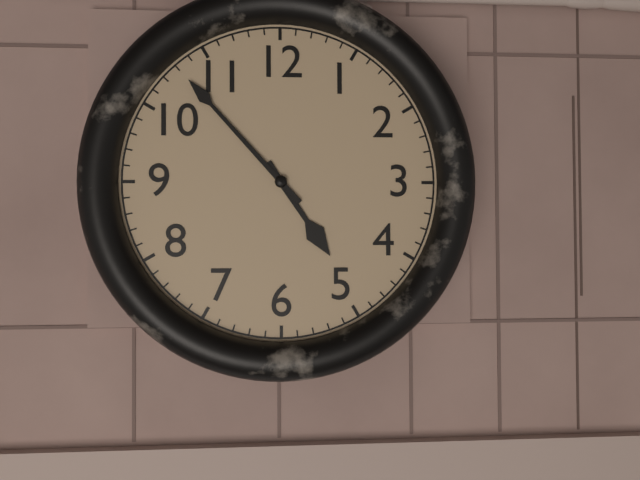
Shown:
4.53
